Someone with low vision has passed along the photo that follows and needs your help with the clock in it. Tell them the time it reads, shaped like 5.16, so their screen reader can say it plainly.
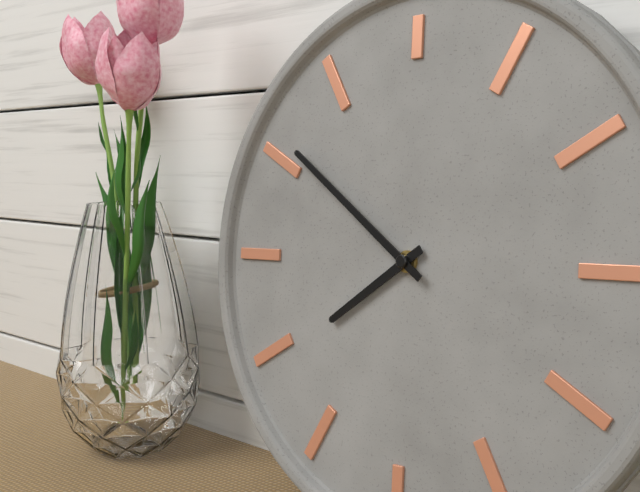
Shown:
7.51
